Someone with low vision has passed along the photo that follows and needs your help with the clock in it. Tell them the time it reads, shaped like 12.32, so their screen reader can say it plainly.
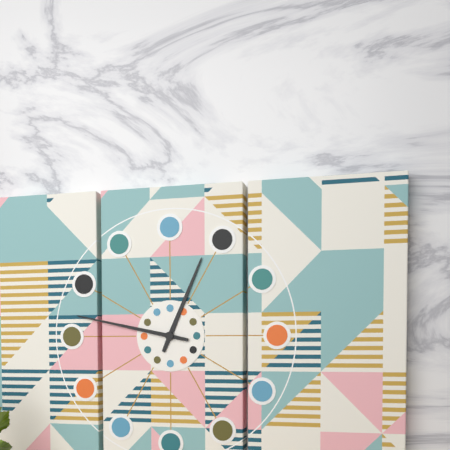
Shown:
12.47
